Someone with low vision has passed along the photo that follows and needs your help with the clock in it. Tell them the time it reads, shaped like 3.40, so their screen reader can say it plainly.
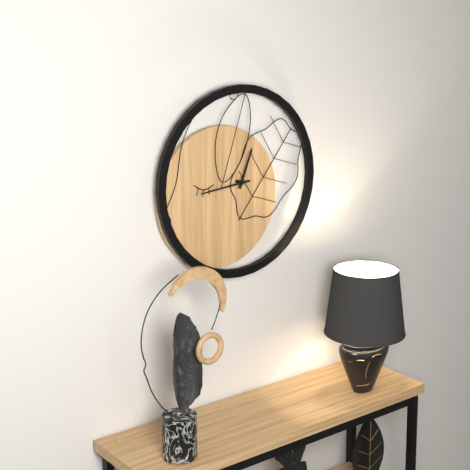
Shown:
12.44
